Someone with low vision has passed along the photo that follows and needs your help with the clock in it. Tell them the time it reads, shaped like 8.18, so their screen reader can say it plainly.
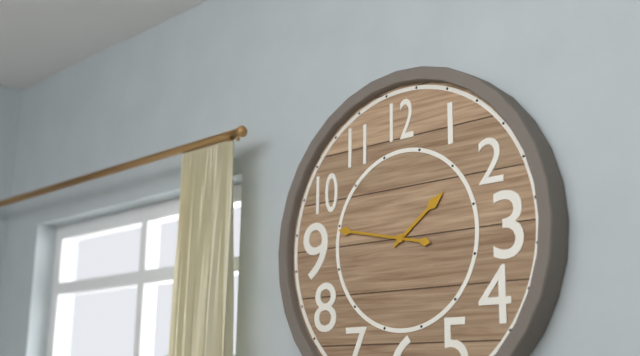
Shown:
1.47
